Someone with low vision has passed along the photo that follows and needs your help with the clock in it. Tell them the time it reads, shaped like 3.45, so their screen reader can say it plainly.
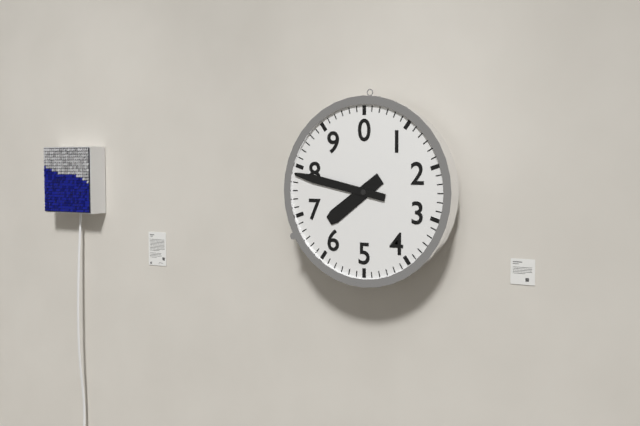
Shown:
7.47
